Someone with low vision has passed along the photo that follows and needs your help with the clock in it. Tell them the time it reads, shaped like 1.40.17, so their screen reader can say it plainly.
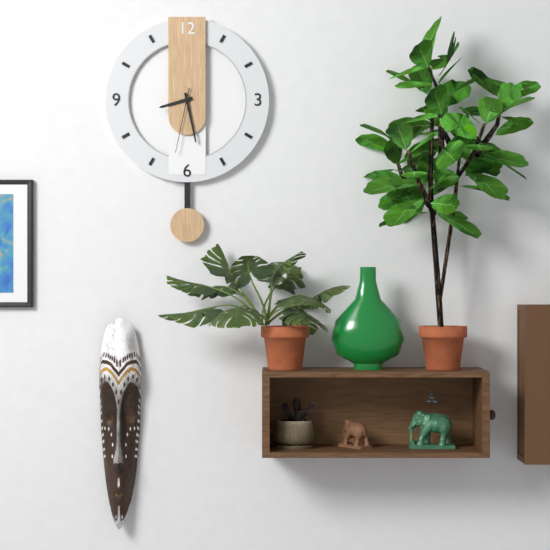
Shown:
8.28.32
